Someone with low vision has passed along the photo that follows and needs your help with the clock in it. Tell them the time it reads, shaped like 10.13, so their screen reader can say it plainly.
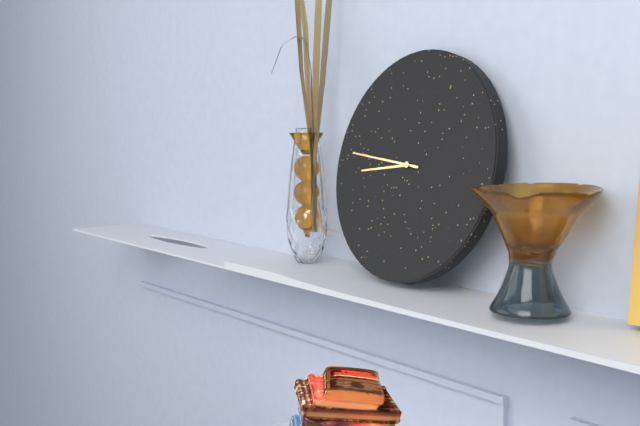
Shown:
8.46
